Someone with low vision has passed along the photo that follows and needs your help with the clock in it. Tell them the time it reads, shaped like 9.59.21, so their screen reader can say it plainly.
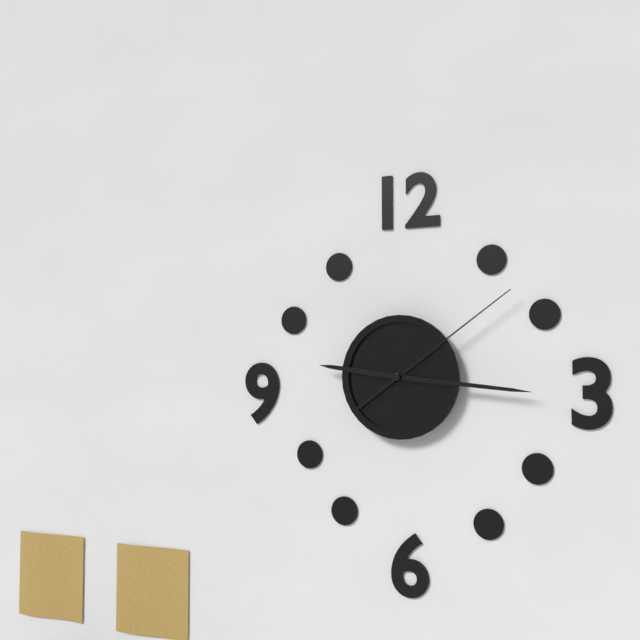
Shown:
9.16.09
